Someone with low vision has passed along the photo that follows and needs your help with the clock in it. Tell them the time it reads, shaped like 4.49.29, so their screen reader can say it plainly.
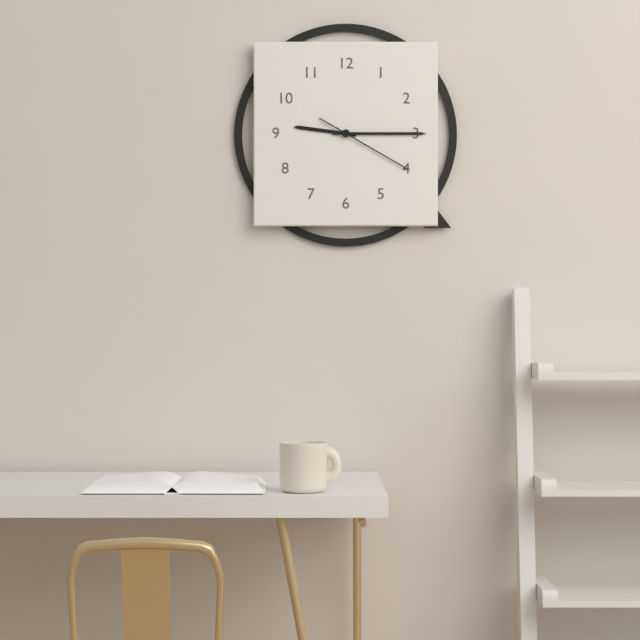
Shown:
9.15.20
